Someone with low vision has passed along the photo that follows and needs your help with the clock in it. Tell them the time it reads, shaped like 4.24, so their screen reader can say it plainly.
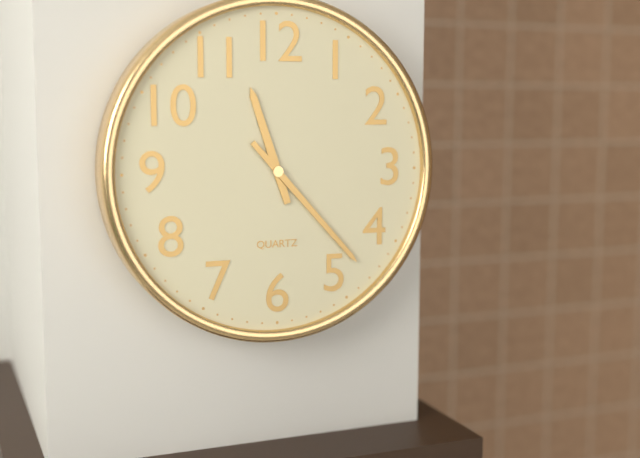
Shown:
11.23
